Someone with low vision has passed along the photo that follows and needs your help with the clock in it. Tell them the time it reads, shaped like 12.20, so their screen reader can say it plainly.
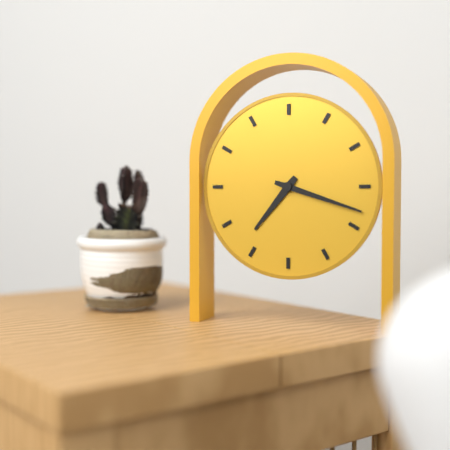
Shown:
7.18
